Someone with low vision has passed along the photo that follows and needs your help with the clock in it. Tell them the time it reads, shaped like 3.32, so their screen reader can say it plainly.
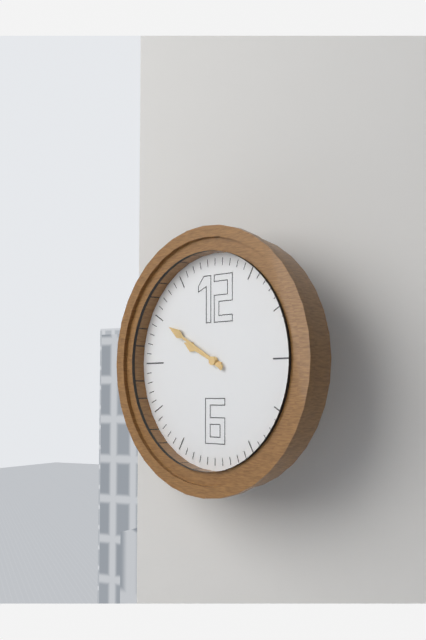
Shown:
9.50
